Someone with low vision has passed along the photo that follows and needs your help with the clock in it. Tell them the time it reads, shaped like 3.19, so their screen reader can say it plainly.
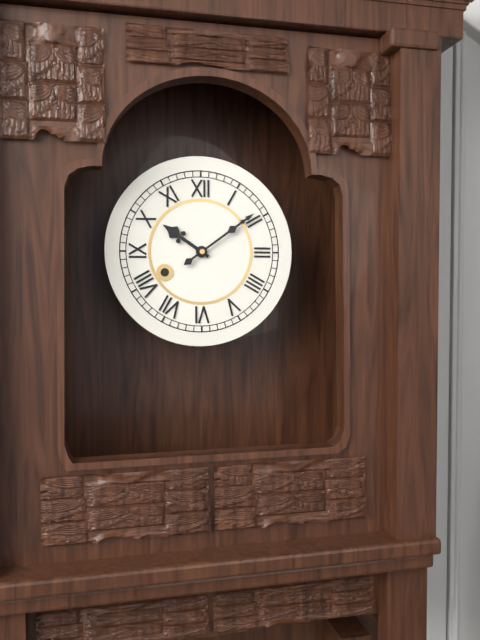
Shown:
10.09
